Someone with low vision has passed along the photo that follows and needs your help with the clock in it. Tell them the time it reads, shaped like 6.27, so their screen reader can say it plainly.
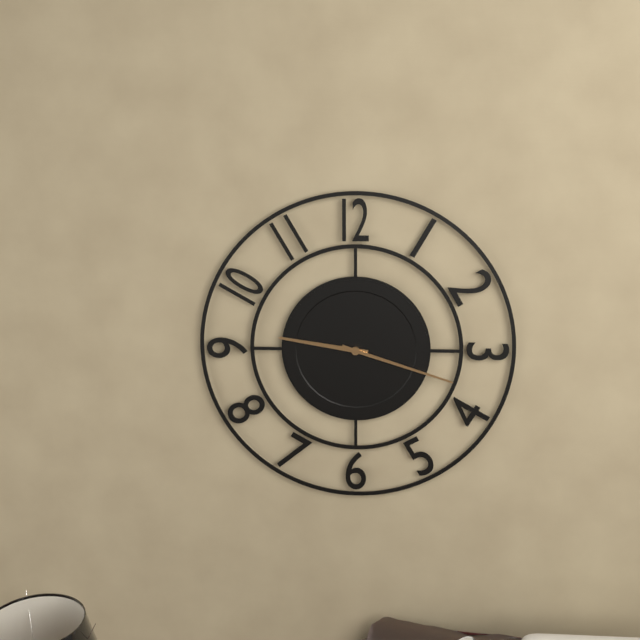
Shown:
9.18
